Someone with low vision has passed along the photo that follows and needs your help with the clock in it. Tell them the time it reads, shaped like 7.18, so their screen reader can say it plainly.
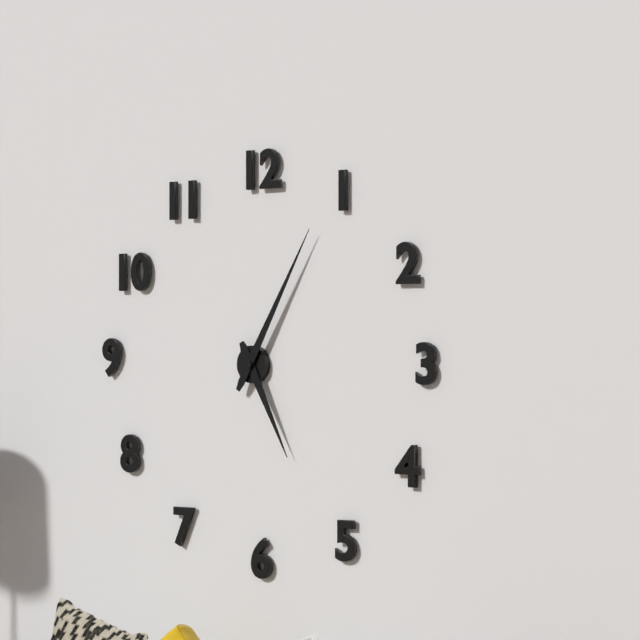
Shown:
5.05
